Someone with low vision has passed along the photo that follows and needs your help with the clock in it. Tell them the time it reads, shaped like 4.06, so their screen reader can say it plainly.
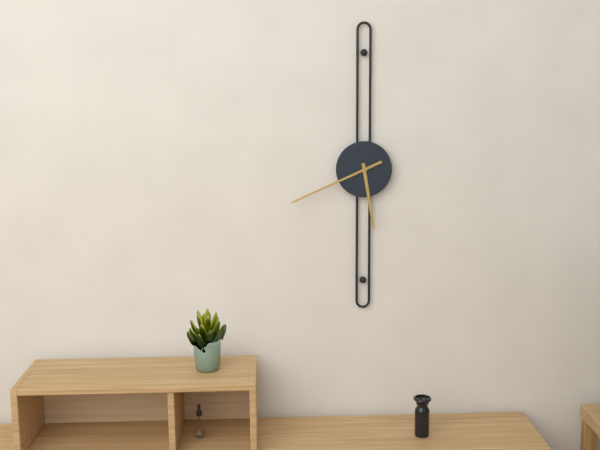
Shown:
5.41
